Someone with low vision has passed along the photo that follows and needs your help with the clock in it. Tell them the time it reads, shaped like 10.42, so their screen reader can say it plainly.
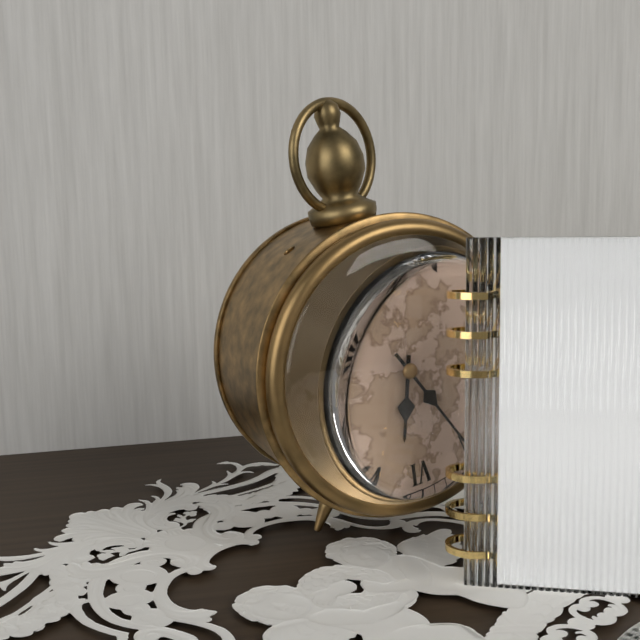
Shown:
6.25
